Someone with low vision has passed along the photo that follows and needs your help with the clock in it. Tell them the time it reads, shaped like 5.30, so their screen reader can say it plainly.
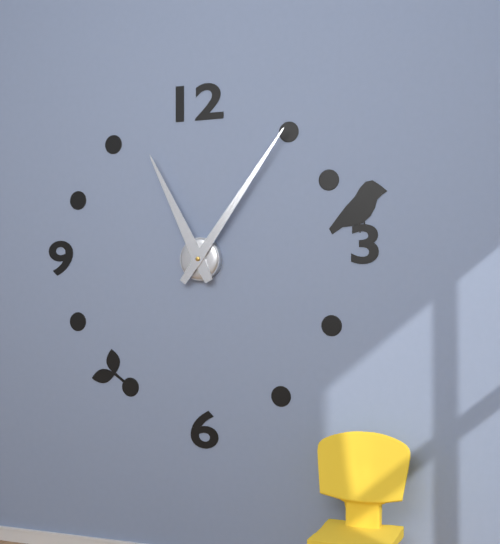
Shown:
11.06
